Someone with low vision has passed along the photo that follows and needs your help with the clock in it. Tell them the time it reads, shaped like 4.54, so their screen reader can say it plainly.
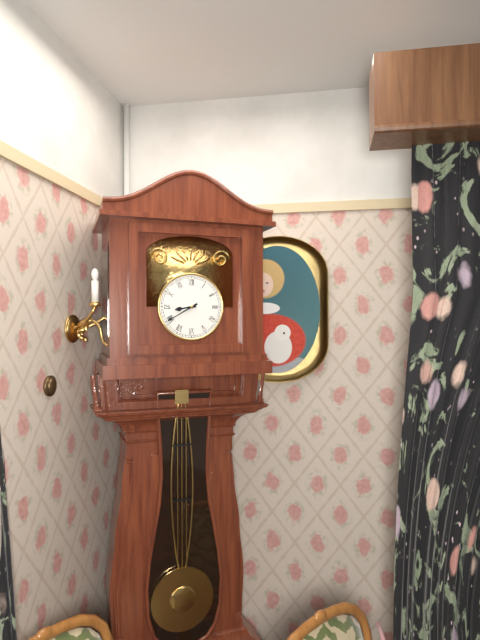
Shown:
8.40
